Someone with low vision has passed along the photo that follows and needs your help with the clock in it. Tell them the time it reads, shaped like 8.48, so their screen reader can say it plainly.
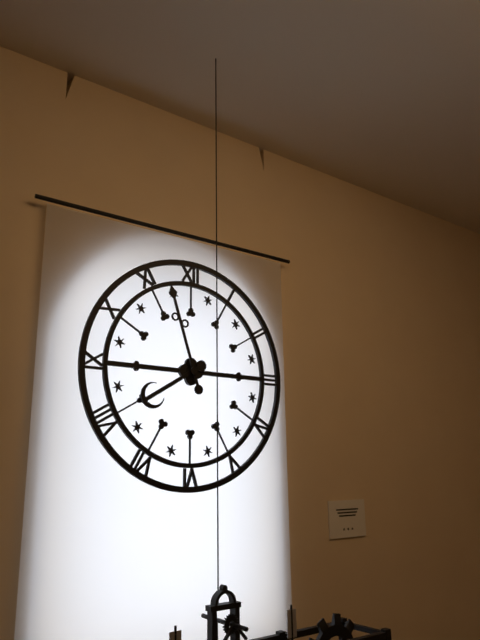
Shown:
7.57
